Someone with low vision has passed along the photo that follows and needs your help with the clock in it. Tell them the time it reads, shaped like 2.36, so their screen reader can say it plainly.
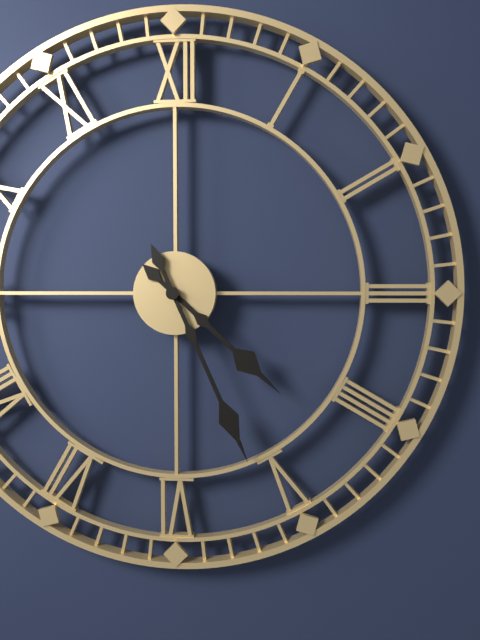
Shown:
4.26
